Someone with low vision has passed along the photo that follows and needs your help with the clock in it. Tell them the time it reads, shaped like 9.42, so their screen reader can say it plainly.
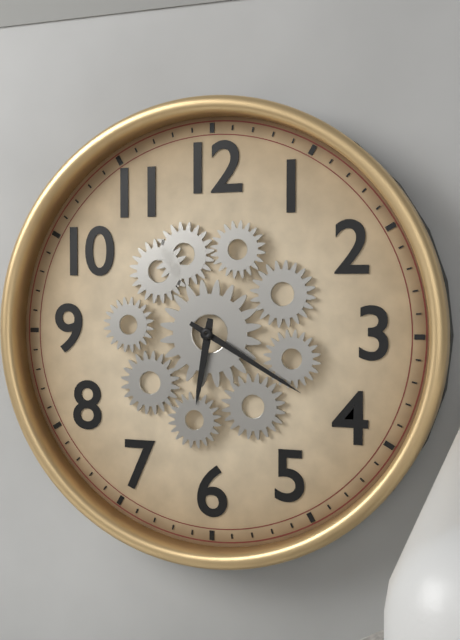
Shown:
6.20
